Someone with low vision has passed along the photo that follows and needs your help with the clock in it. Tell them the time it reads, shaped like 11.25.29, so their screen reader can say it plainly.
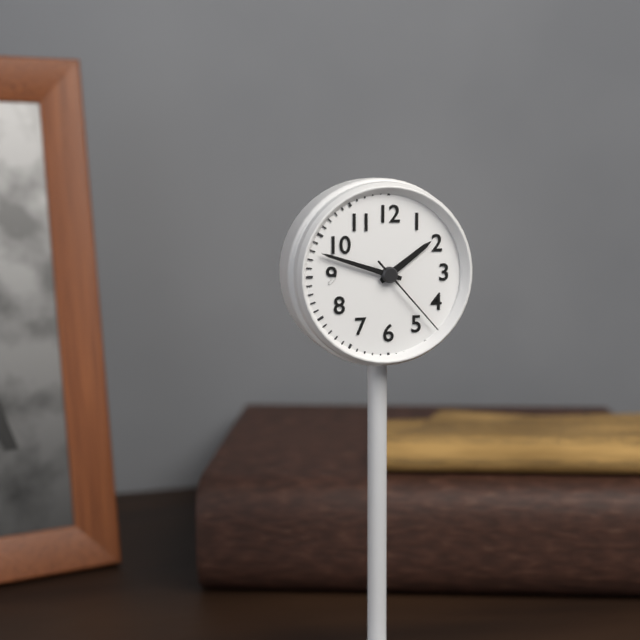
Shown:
1.48.23
